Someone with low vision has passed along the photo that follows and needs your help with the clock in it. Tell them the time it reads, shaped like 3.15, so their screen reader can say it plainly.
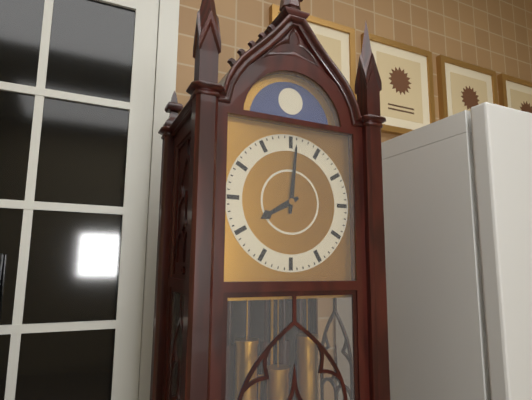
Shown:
8.01
